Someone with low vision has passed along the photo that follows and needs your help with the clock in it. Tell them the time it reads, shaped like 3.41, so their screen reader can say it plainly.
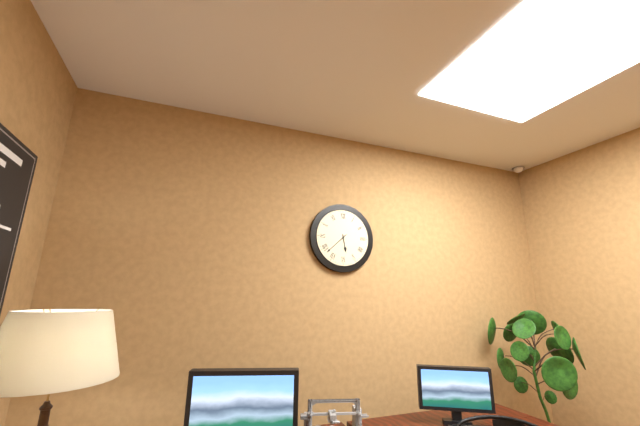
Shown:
5.38
